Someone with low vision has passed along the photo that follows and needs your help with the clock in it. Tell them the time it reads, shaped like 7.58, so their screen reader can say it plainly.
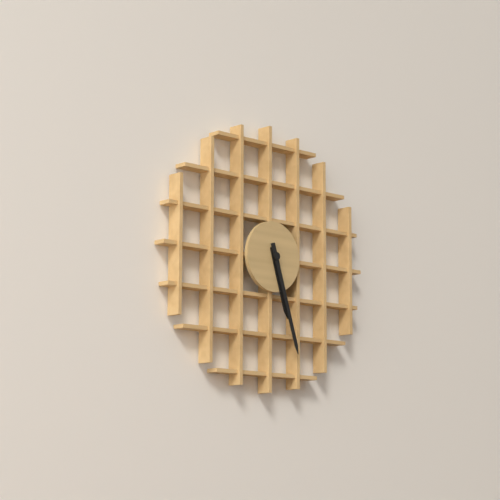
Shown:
5.27
